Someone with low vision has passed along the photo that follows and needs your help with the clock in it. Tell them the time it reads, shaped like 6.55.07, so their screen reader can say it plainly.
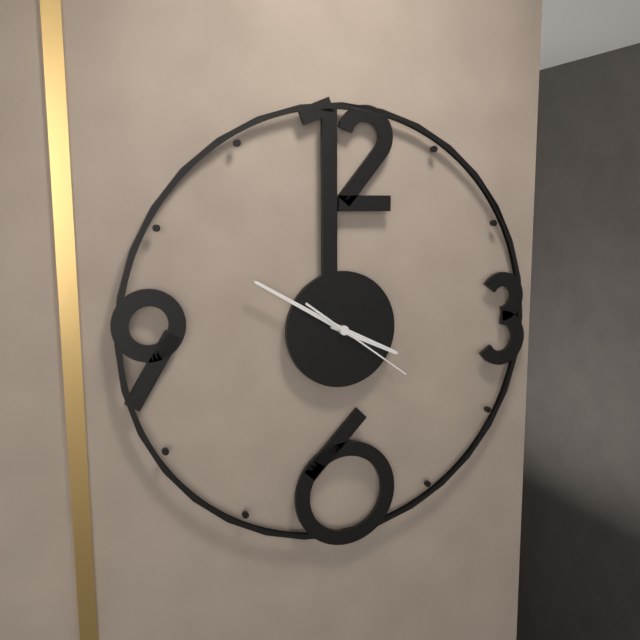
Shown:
3.50.21
